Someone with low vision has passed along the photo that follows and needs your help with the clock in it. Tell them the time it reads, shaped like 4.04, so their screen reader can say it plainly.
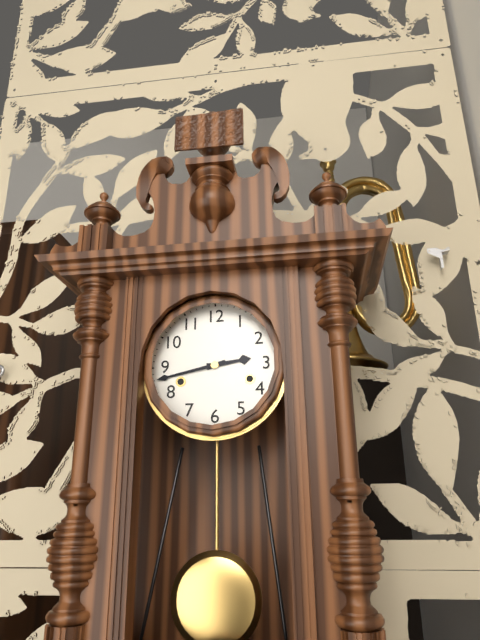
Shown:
2.43
